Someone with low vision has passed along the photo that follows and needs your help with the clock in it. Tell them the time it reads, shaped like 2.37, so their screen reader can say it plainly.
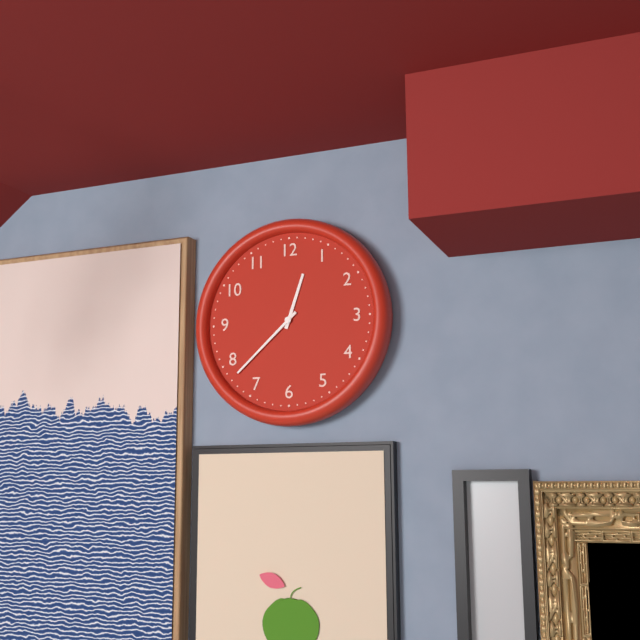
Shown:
12.38
